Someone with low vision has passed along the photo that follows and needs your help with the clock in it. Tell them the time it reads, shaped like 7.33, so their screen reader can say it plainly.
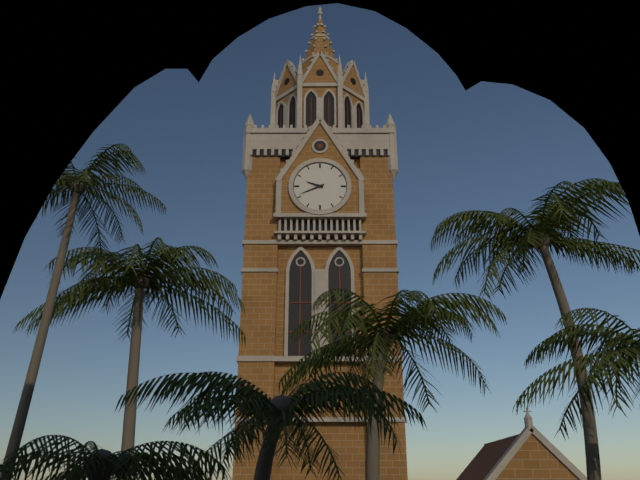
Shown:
9.41
